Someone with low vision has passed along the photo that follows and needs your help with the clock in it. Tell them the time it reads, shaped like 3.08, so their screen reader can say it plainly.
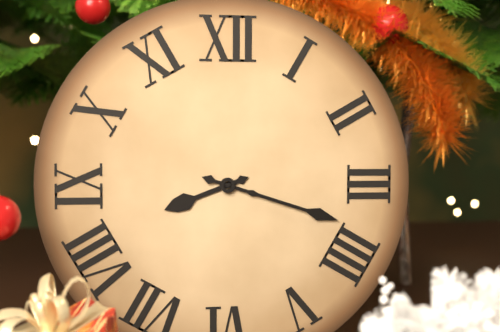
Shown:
8.18
